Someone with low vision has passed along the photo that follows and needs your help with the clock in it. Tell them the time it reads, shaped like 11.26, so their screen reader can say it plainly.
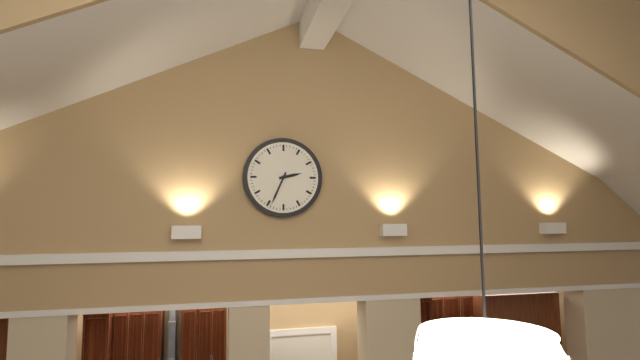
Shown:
2.34
